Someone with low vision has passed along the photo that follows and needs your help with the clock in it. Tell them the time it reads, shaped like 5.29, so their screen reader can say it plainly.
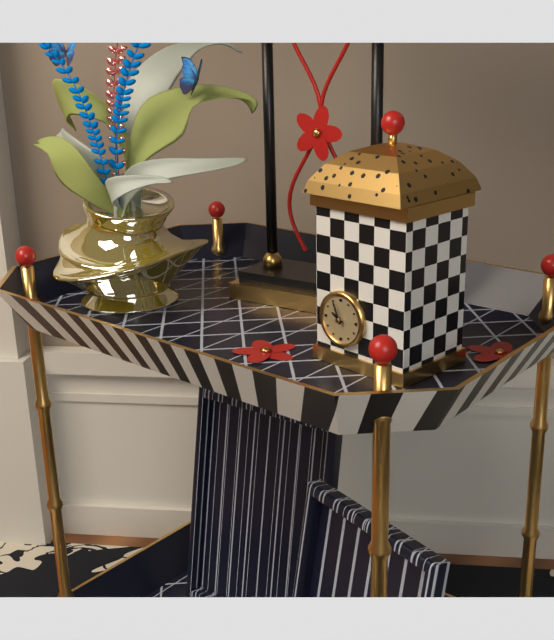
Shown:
9.56
